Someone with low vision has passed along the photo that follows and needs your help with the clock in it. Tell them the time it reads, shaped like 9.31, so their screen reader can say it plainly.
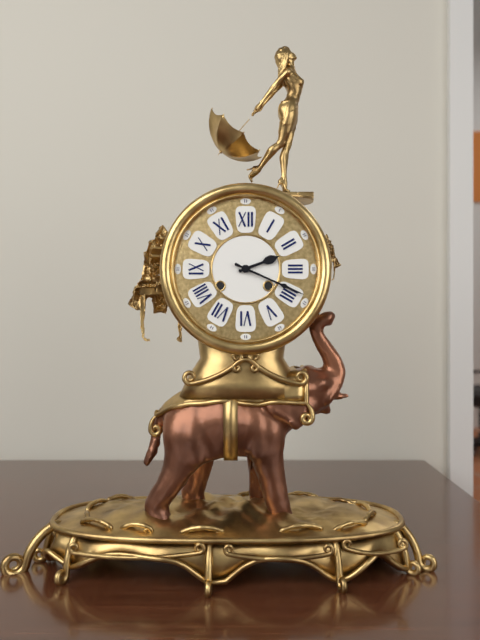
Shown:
2.19
